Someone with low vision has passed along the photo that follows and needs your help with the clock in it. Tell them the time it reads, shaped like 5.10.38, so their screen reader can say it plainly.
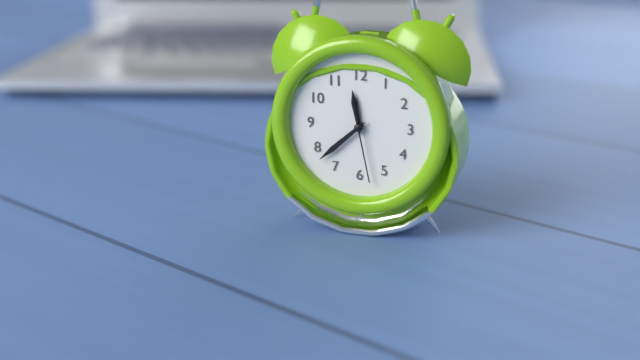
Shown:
11.38.28
